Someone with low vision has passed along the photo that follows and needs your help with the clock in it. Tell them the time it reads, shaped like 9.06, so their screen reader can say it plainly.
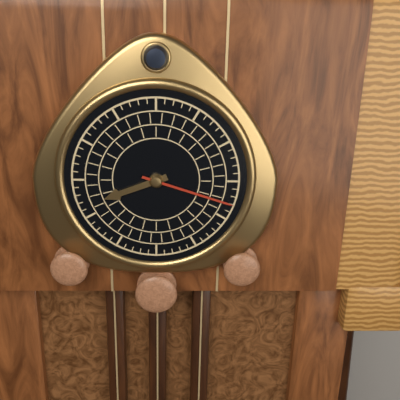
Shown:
8.18
